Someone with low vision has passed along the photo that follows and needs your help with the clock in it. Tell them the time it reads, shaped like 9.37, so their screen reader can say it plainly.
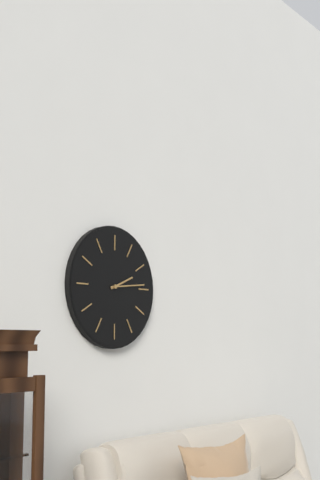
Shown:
2.14
